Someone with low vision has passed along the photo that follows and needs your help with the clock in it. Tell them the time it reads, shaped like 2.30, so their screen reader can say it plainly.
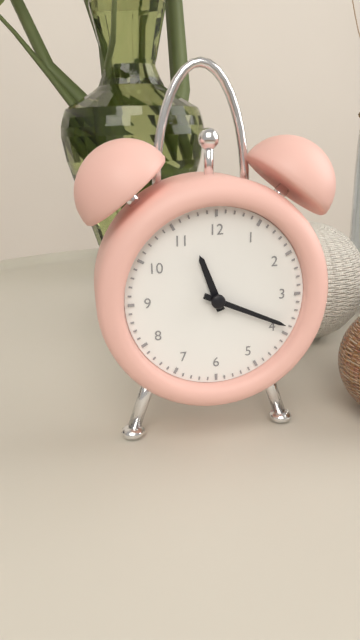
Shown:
11.19
